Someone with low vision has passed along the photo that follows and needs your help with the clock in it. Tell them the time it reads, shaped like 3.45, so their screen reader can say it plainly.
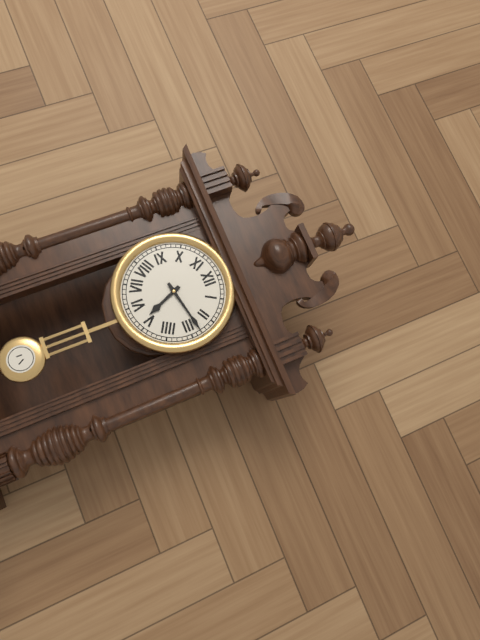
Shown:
5.13
